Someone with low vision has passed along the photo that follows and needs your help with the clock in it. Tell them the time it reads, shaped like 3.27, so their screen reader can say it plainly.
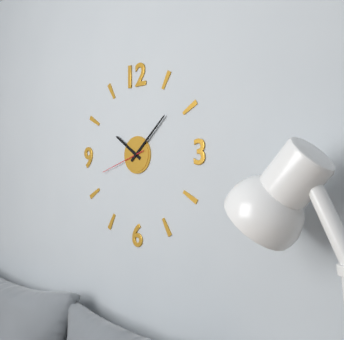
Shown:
10.08
